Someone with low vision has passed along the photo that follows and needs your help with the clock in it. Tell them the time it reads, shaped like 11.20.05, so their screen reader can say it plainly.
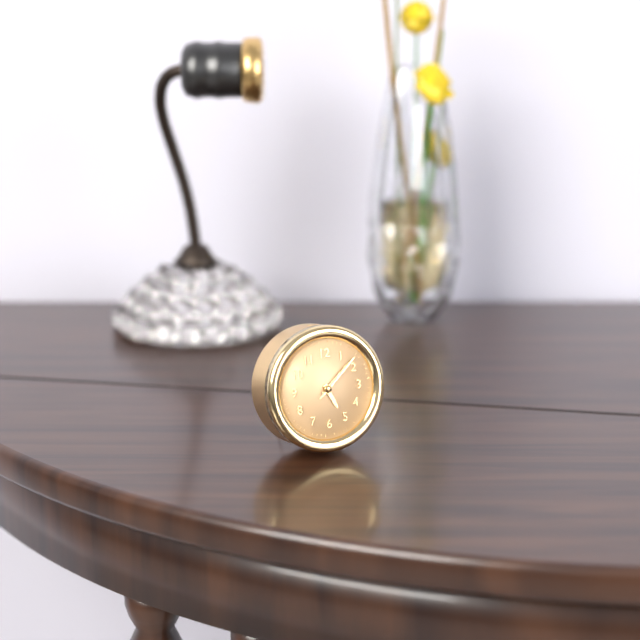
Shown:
5.08.08
